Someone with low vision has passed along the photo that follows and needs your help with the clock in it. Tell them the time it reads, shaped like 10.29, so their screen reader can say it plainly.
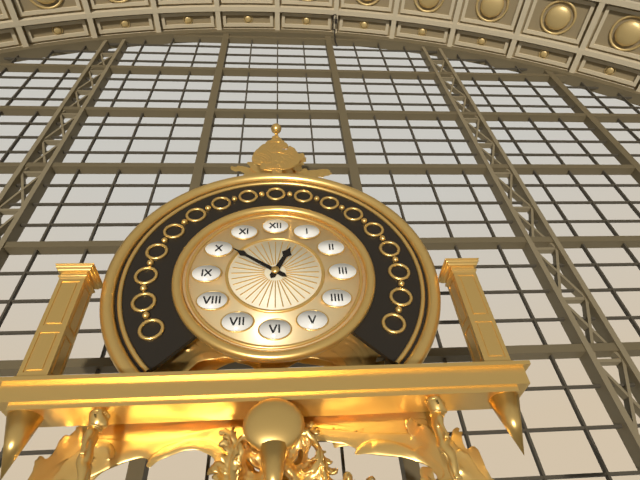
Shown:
12.51
